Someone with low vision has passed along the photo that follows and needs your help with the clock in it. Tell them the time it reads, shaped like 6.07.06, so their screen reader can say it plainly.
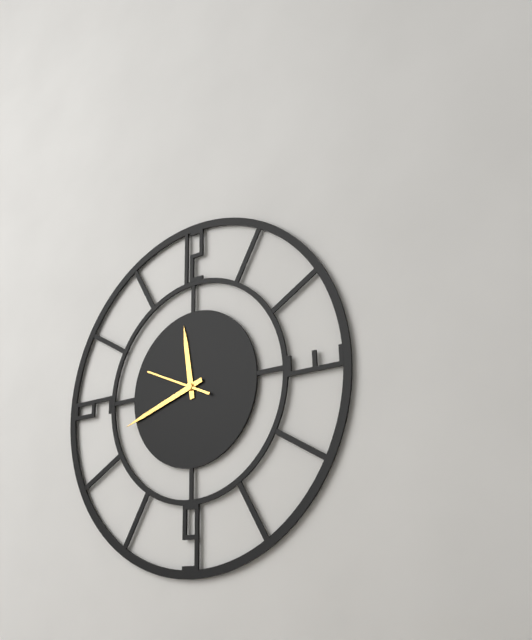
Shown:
11.42.49
